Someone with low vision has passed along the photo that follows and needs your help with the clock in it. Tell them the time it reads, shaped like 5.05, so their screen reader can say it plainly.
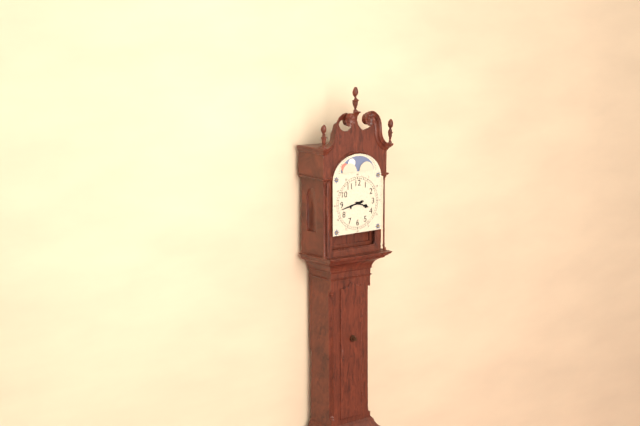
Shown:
3.43
